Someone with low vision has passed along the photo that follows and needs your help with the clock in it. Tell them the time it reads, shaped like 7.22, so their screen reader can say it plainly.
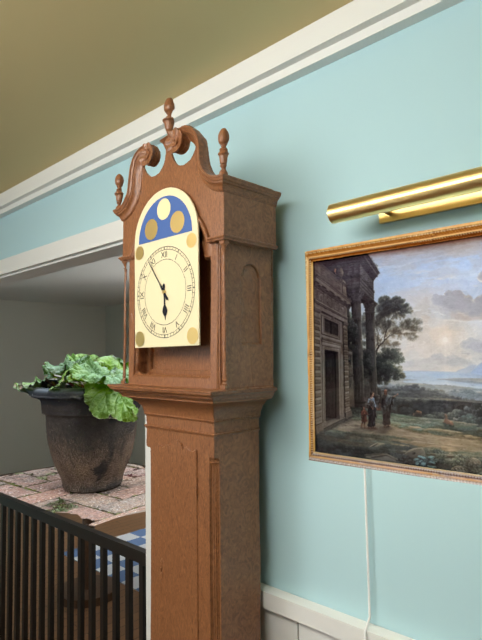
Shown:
5.54
